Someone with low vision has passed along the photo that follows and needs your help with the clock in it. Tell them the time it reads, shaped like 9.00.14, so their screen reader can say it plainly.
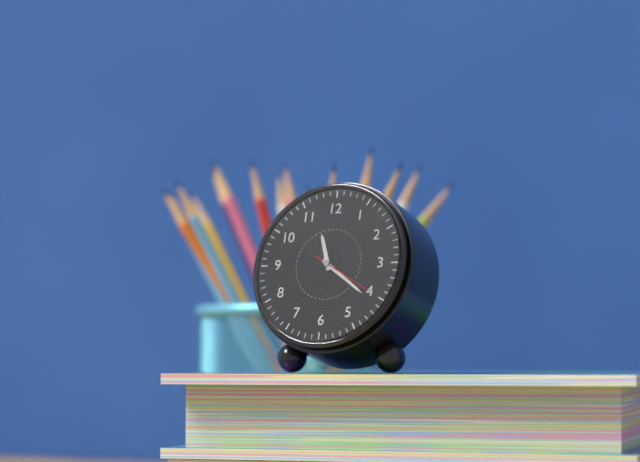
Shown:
11.21.20
